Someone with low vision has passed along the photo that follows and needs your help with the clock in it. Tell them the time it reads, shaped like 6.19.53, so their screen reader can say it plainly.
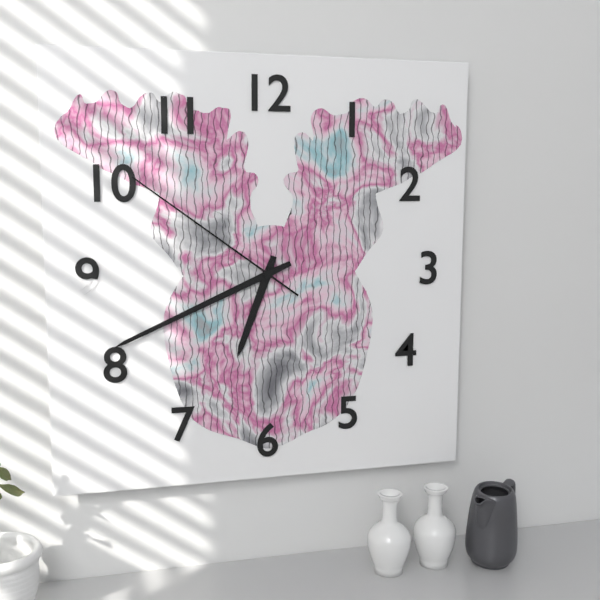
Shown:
6.41.51
